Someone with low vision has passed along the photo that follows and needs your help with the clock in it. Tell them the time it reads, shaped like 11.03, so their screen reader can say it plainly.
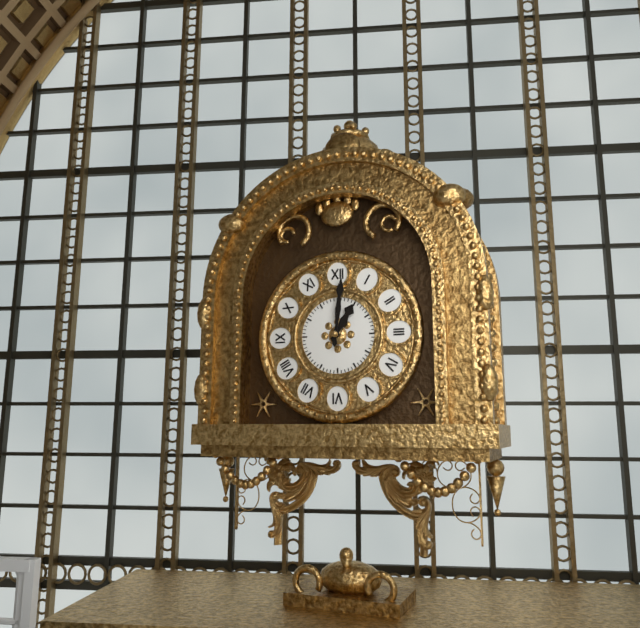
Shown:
1.01
